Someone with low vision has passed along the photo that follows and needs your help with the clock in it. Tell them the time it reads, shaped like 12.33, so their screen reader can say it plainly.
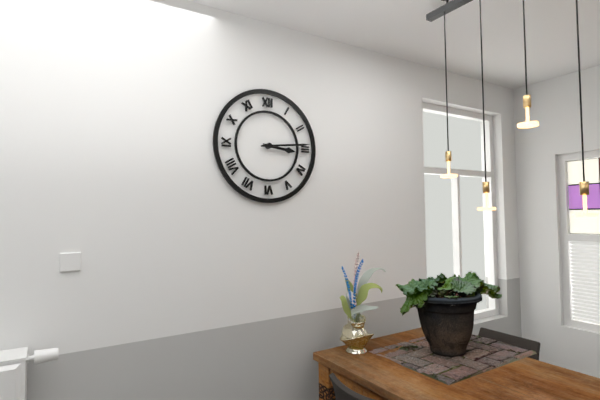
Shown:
3.14
